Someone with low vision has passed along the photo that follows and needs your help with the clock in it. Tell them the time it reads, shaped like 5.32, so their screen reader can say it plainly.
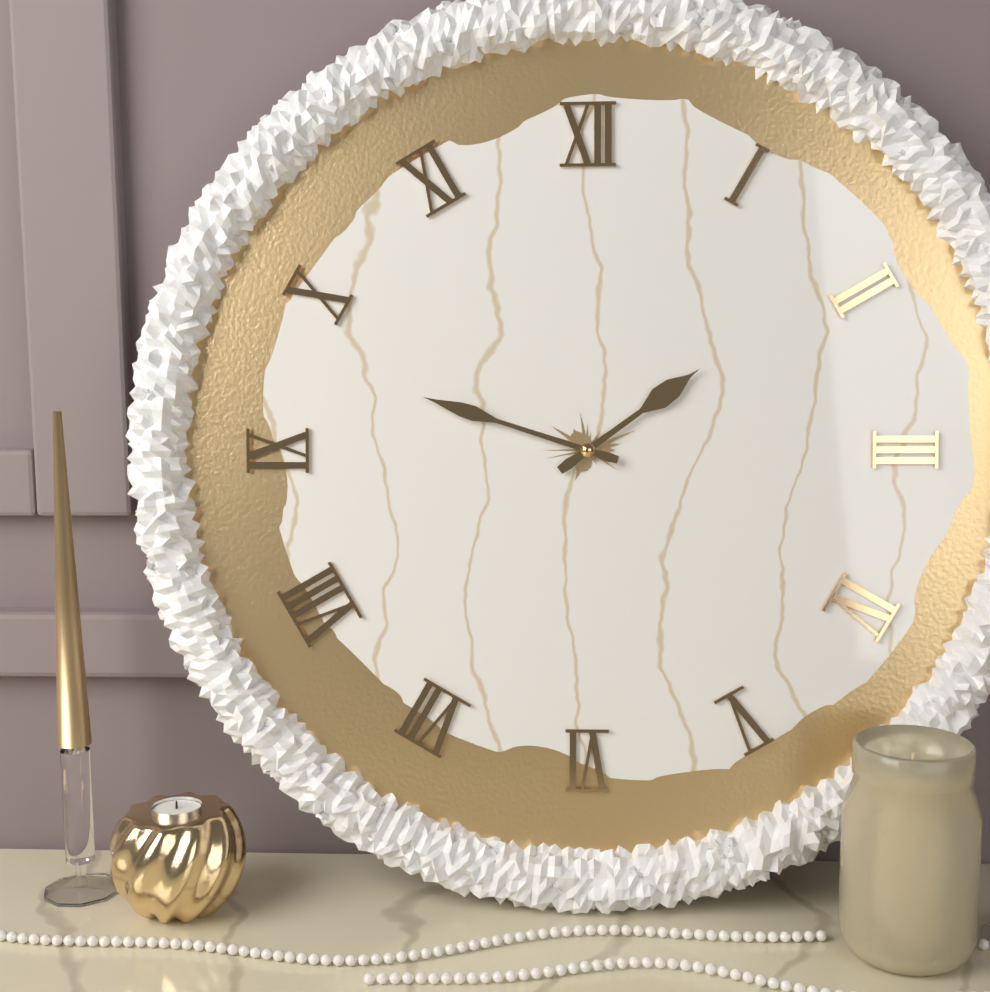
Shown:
1.48
